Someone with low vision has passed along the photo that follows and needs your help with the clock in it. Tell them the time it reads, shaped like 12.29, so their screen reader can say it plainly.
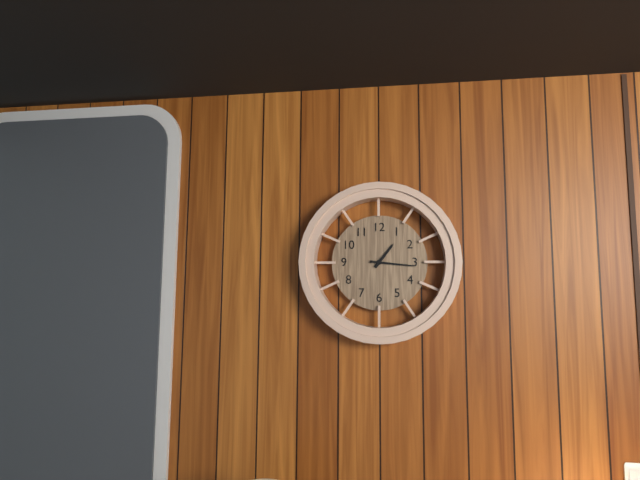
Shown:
1.16
